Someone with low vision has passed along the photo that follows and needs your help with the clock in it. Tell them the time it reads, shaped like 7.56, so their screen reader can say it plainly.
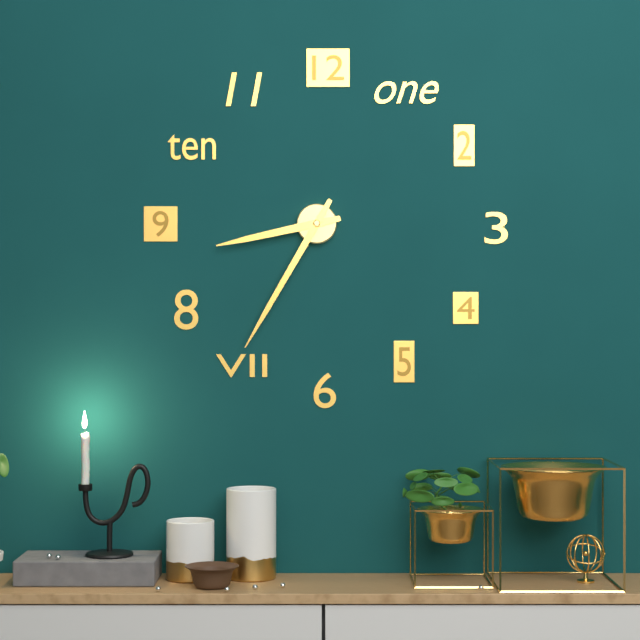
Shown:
8.35
